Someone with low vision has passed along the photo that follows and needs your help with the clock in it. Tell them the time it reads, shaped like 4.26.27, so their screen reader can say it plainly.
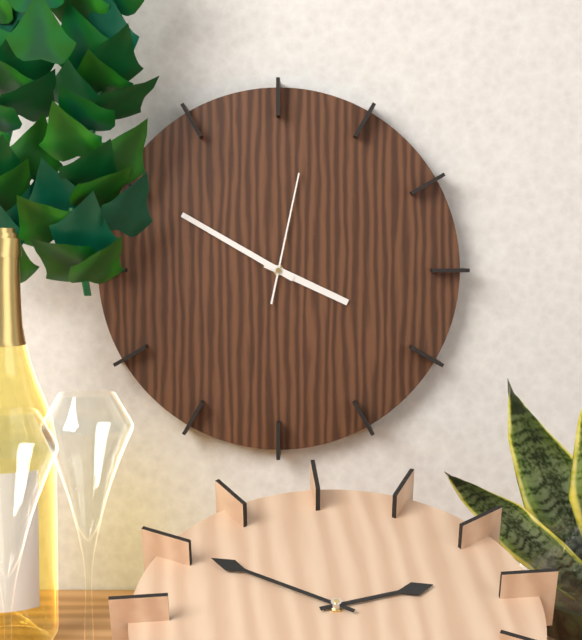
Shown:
3.50.02
